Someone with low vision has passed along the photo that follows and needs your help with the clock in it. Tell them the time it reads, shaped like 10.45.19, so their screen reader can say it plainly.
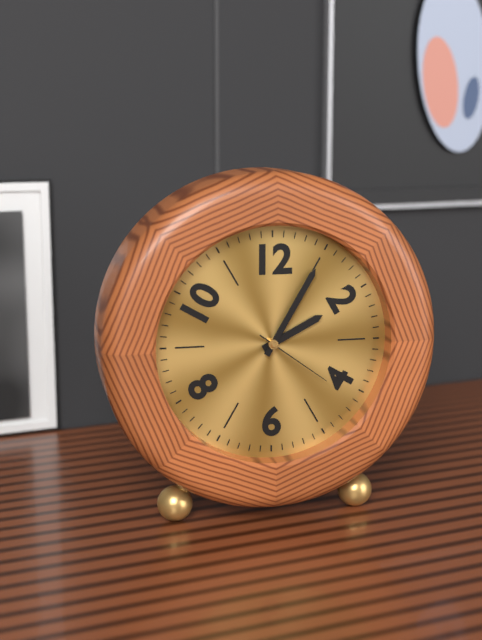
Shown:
2.05.21
